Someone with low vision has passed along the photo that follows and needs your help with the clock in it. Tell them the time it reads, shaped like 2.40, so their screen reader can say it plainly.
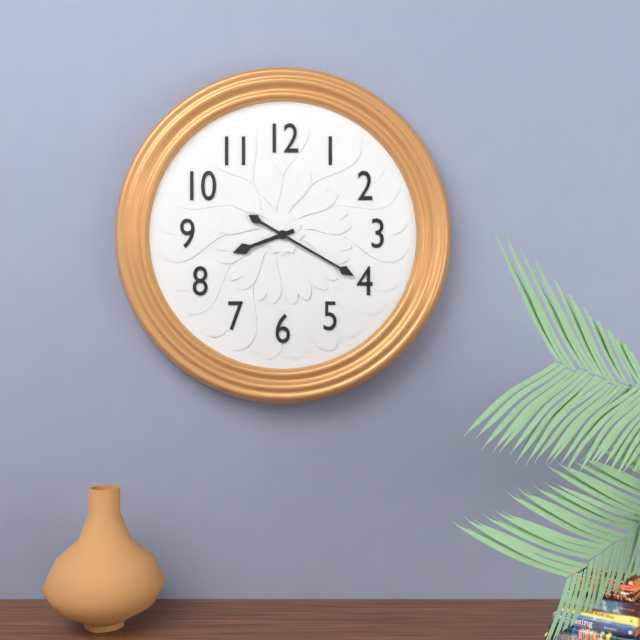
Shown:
8.20
